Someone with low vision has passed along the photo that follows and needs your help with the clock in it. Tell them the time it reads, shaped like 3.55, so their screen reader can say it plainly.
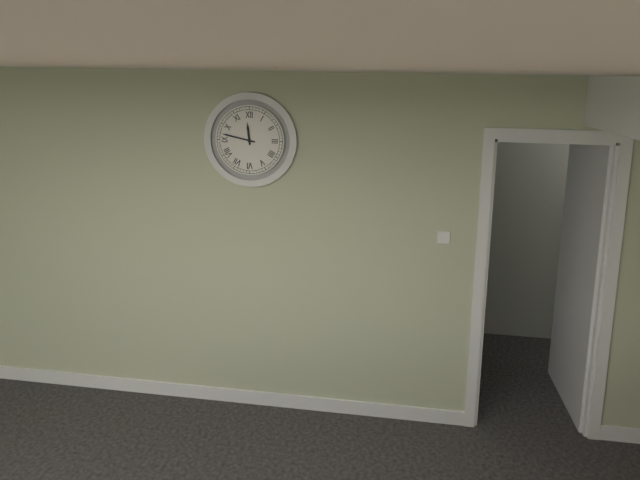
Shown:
11.47
